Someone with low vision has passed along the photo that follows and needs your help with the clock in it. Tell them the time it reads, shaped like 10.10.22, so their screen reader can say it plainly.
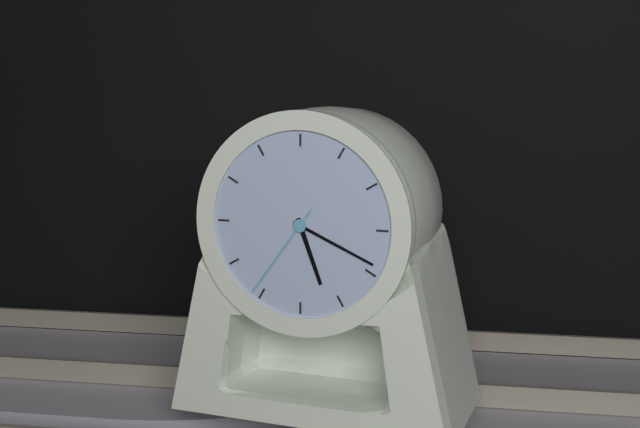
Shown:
5.19.36
